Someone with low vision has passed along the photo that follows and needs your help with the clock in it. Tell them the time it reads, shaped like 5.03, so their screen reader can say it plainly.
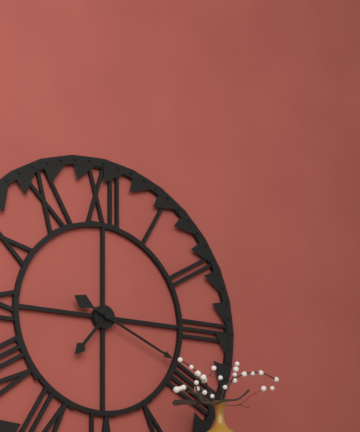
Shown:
7.19
